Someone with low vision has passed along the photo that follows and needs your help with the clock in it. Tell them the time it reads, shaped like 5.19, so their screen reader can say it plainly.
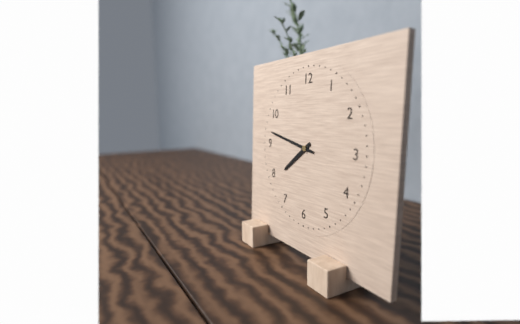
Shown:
7.47
